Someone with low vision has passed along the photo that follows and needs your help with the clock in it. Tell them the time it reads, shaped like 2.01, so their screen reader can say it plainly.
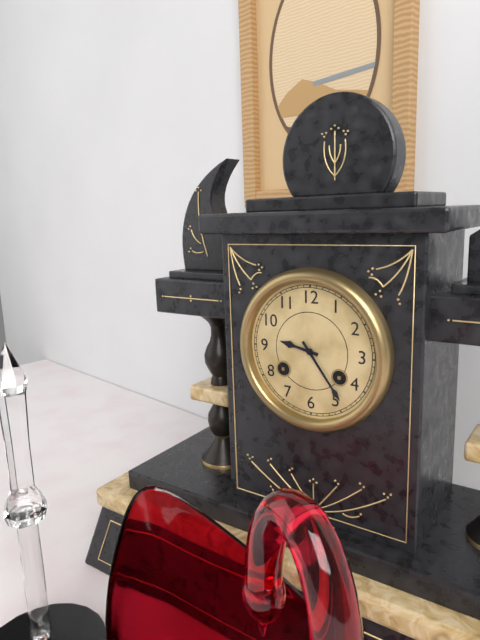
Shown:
9.24
